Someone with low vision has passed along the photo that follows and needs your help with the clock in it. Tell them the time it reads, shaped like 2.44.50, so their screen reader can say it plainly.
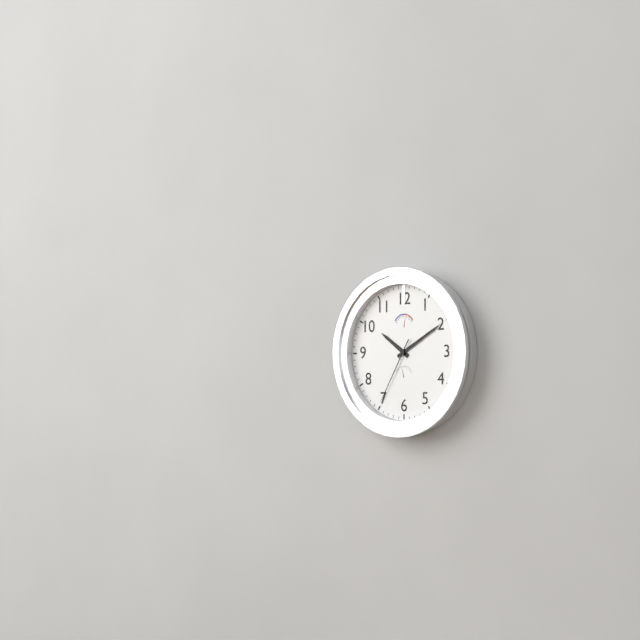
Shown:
10.10.35
